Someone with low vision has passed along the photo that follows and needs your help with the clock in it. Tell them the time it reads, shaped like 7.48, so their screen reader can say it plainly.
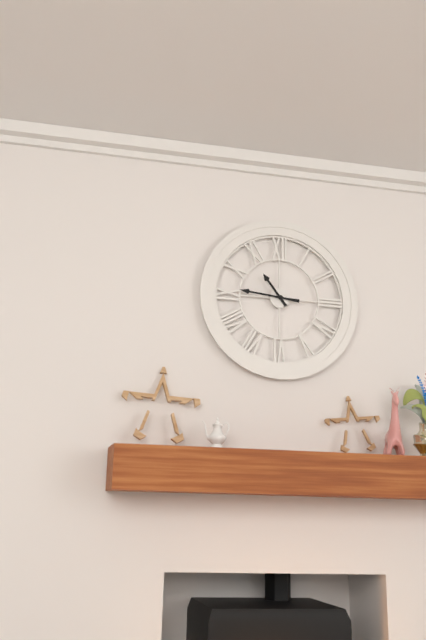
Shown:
10.46
